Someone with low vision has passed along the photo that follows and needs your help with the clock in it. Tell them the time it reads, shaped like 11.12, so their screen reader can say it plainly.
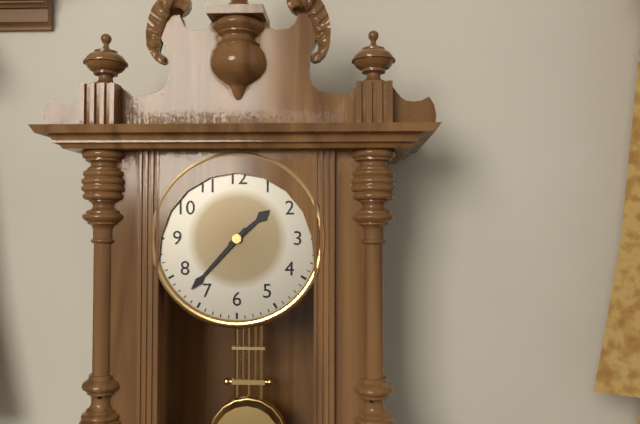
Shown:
1.37
